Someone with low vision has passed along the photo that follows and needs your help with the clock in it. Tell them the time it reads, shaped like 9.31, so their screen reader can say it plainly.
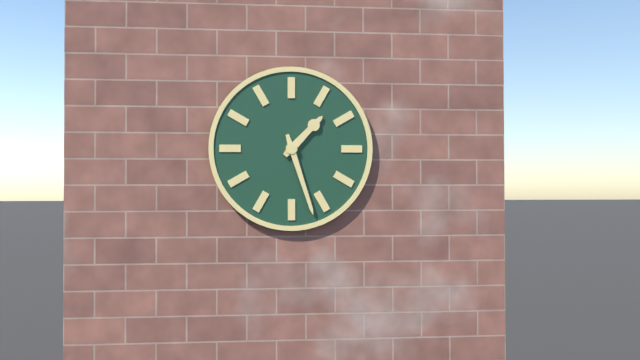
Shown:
1.27
